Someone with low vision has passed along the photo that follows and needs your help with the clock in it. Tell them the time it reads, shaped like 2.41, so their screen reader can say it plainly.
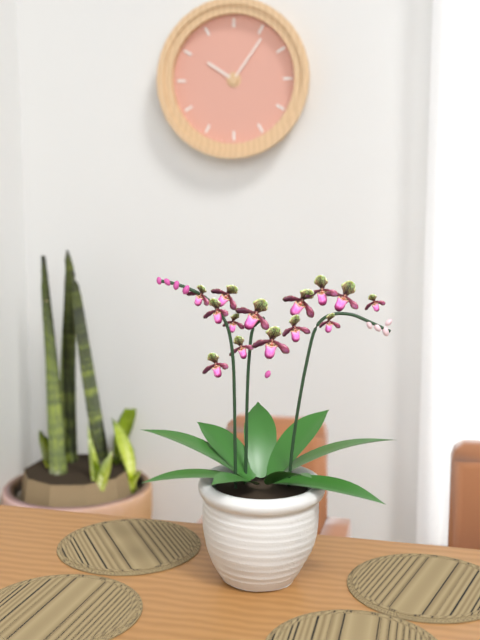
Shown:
10.06
